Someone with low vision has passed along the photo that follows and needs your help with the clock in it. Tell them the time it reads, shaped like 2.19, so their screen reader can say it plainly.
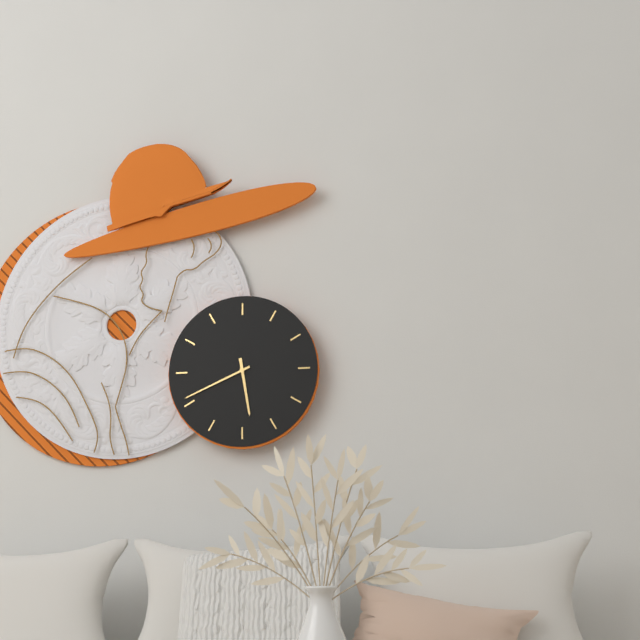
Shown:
5.41
